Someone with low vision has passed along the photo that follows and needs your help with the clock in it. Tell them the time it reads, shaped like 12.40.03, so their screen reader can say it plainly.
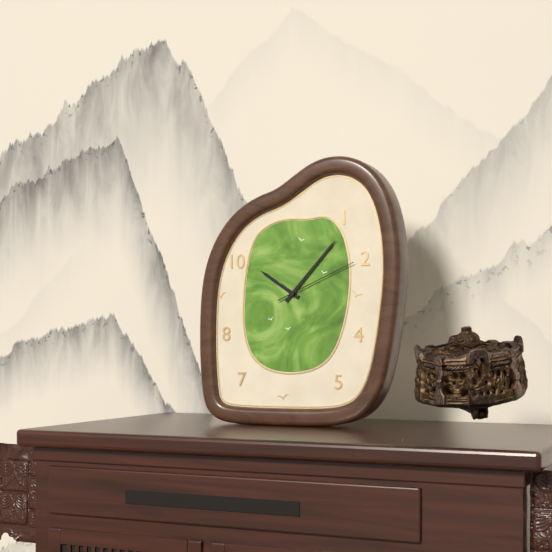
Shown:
10.07.11
